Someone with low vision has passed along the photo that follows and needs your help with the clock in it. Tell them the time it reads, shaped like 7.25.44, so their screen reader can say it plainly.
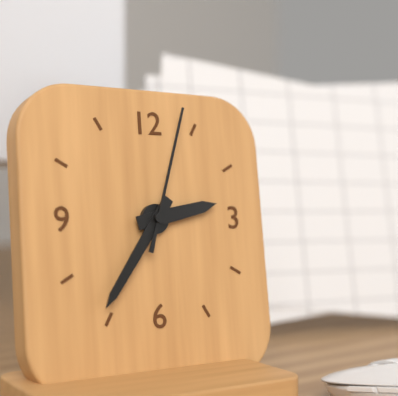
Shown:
2.36.03
